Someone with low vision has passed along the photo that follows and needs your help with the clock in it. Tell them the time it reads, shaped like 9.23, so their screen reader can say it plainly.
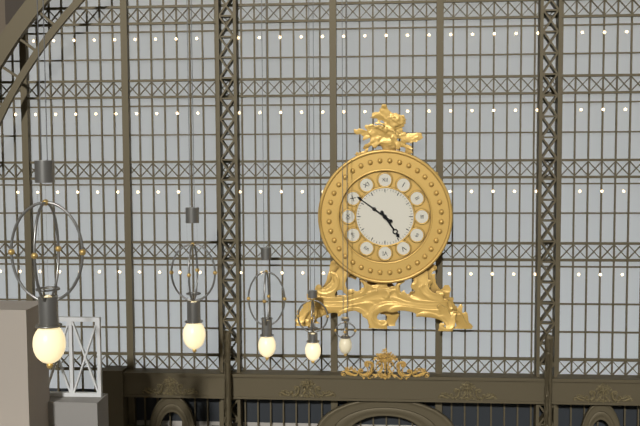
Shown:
4.51
